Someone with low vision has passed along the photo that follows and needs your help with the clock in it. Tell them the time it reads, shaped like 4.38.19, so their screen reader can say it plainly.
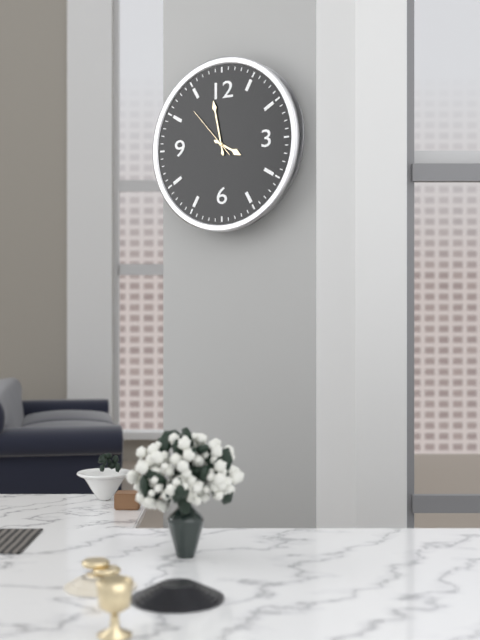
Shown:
3.58.53
